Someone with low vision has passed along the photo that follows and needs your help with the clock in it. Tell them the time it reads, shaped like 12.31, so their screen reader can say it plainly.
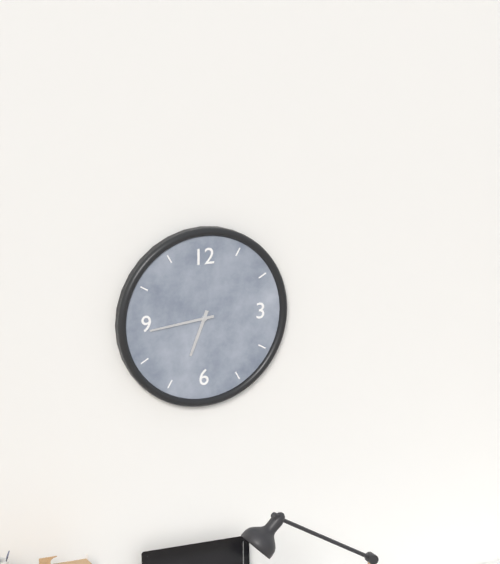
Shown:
6.44
